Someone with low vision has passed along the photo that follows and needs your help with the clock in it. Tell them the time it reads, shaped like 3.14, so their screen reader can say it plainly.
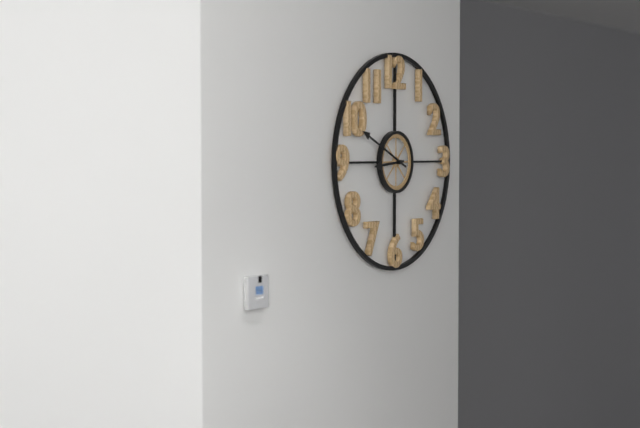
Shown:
8.49
